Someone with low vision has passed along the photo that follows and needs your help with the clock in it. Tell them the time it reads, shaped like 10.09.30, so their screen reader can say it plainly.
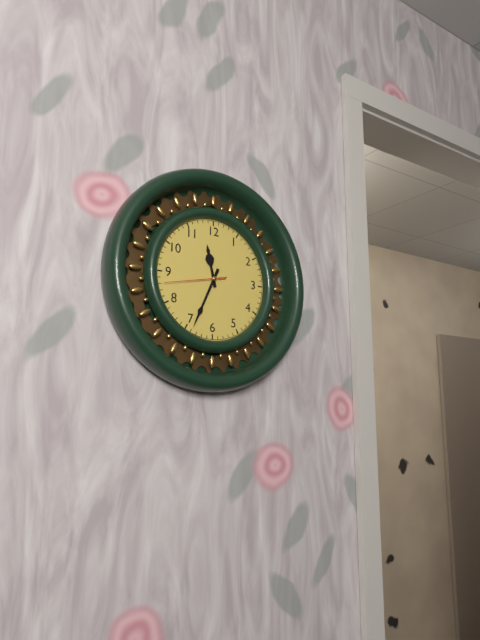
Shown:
11.34.43
